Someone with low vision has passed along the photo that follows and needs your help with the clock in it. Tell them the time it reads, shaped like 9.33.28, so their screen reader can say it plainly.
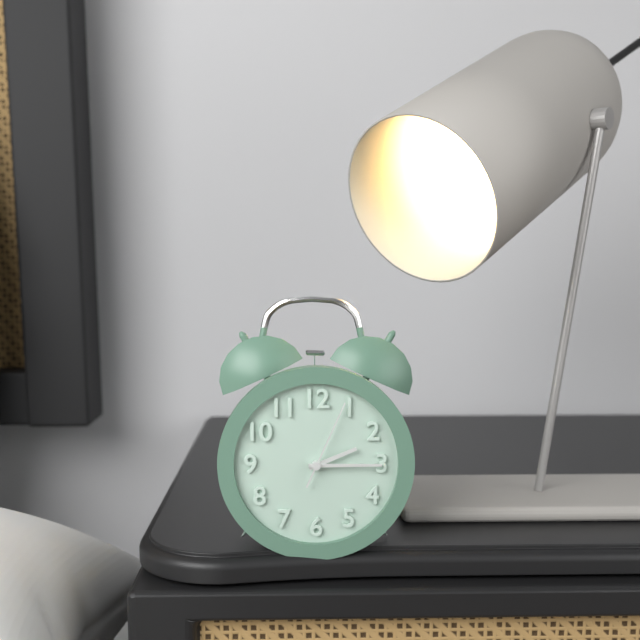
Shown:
2.15.04
